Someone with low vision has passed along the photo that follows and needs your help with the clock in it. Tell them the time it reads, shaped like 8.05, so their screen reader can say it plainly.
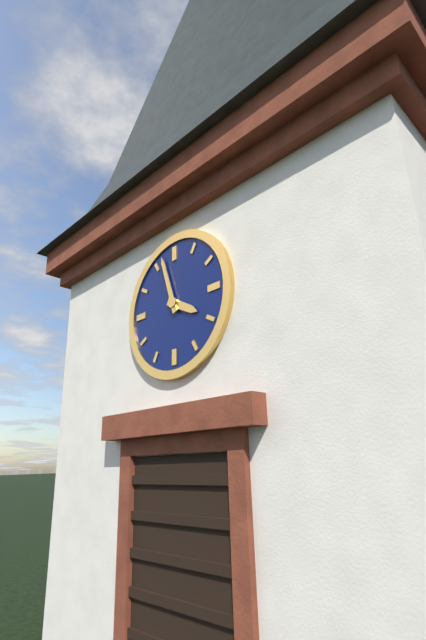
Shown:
3.57
